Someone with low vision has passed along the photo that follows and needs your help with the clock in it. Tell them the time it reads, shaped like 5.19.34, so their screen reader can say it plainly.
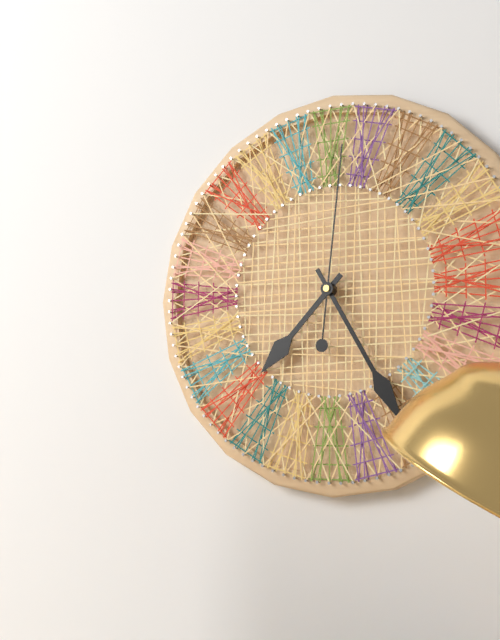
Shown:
7.25.01
